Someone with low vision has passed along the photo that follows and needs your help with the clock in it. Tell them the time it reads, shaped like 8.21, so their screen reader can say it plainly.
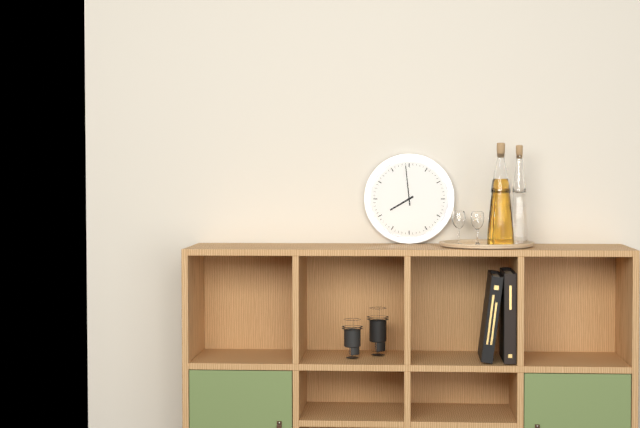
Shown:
7.59
